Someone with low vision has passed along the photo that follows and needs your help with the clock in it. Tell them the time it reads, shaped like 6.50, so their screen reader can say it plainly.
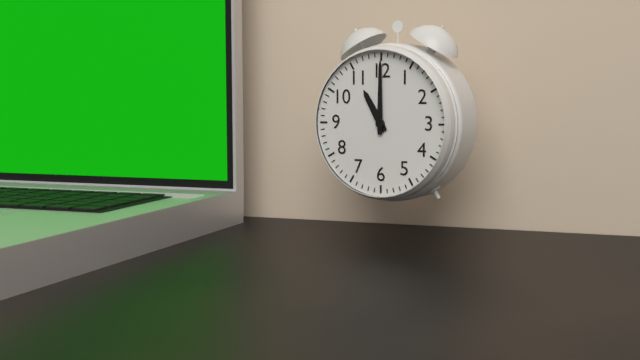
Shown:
11.00
